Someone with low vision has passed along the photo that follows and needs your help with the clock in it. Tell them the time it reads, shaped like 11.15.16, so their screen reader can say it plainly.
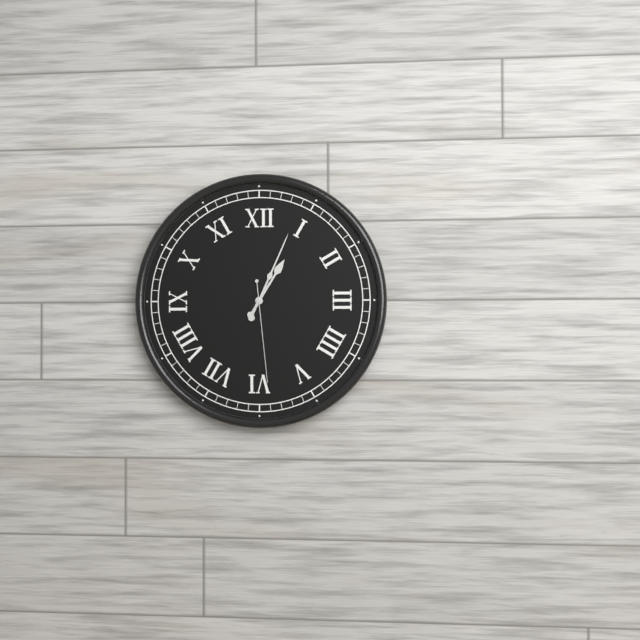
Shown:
1.04.29
